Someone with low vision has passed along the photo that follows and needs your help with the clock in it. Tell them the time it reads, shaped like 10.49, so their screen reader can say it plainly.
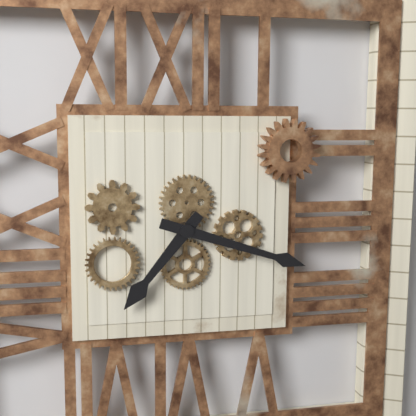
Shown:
7.18
